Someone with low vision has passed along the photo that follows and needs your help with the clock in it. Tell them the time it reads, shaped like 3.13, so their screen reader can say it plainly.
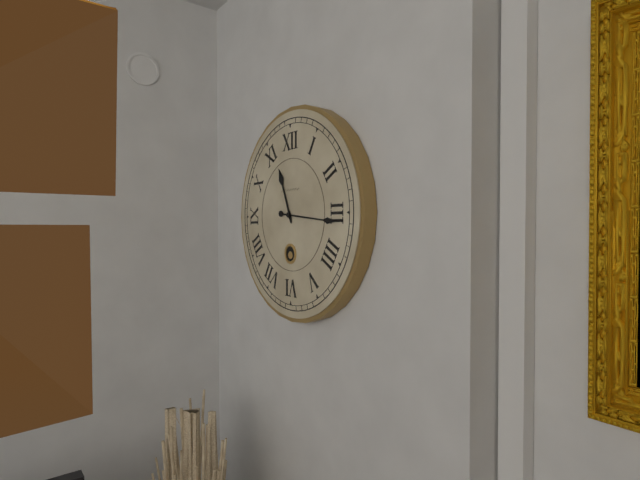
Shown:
11.16
